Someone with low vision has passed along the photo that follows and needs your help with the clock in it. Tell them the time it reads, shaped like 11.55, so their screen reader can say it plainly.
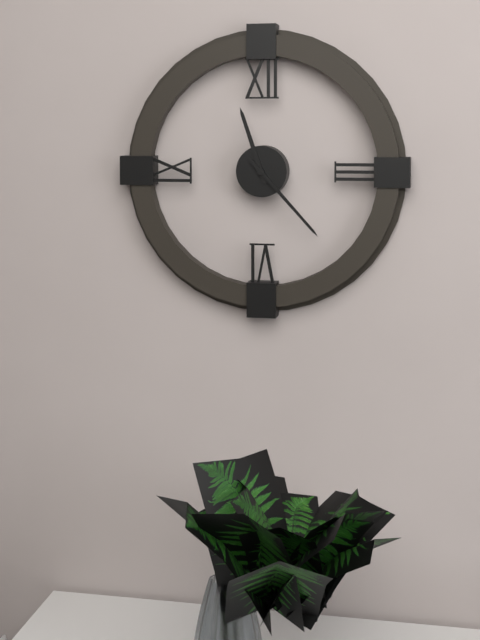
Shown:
11.23
